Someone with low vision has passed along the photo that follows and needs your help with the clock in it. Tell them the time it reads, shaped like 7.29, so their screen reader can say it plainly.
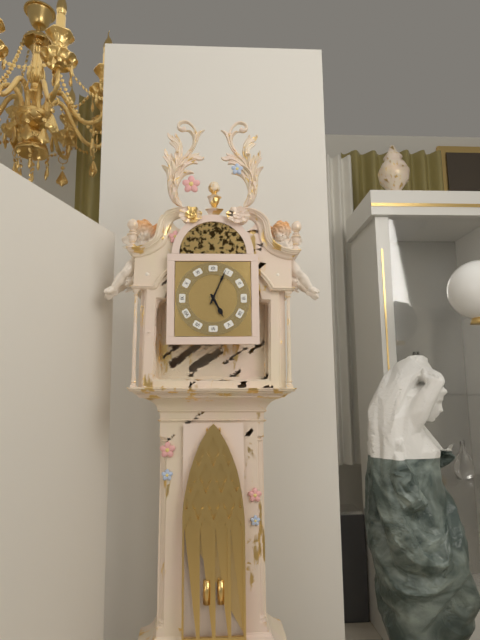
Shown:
5.04
